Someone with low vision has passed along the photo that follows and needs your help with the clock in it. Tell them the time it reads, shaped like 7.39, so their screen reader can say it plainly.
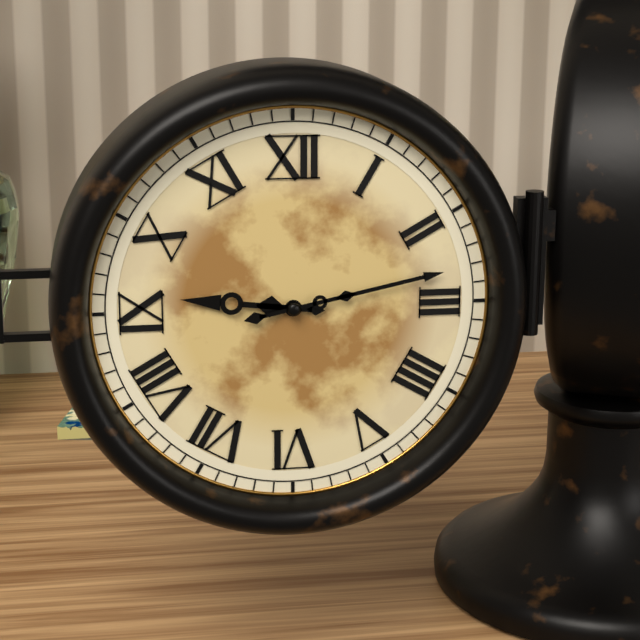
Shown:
9.13
